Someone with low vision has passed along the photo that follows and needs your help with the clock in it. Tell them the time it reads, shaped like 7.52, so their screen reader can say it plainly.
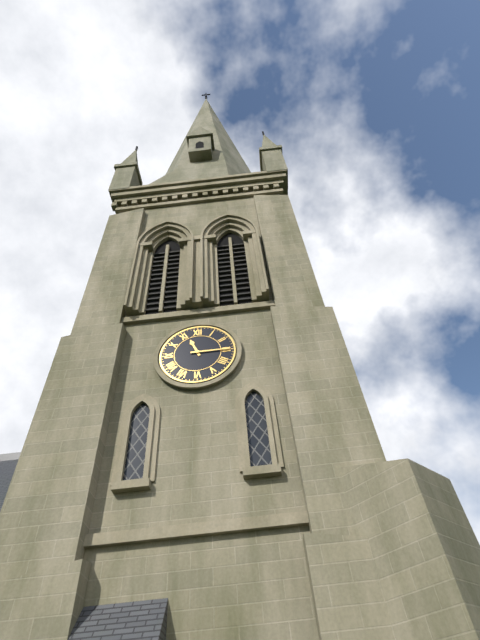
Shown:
11.15
